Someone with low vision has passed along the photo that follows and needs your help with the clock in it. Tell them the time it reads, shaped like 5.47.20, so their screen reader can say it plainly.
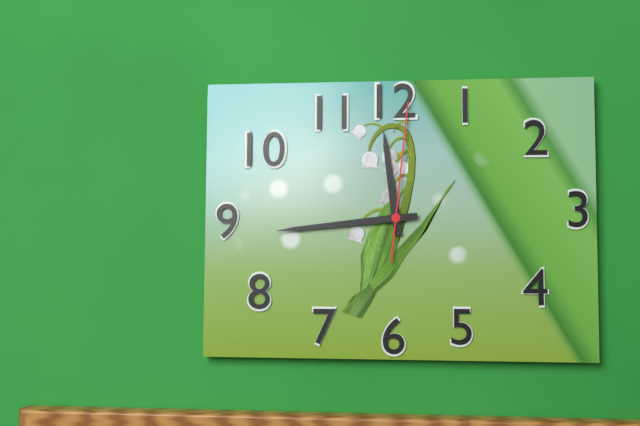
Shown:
11.44.01
